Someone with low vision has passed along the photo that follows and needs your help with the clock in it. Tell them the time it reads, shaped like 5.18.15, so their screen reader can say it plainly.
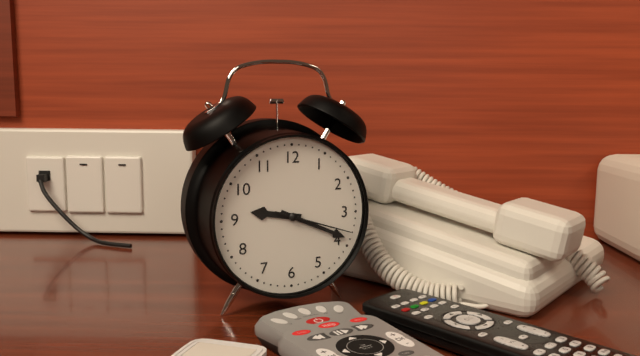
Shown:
9.19.18
